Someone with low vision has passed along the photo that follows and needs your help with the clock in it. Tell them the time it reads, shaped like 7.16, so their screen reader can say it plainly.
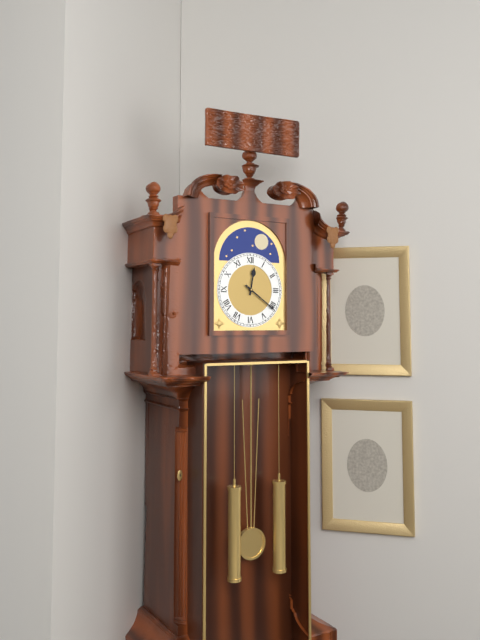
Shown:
12.21
